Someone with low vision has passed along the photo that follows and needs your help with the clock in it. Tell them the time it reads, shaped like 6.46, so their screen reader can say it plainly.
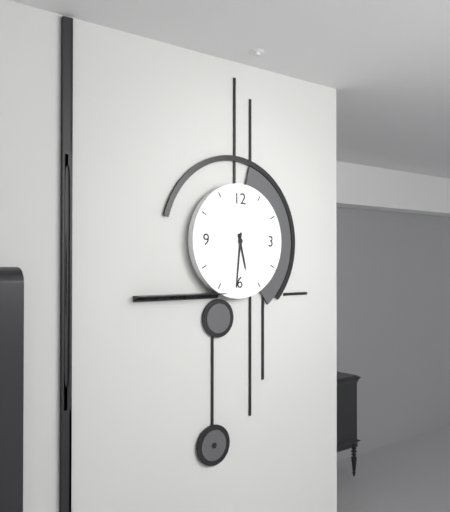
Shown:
5.31
